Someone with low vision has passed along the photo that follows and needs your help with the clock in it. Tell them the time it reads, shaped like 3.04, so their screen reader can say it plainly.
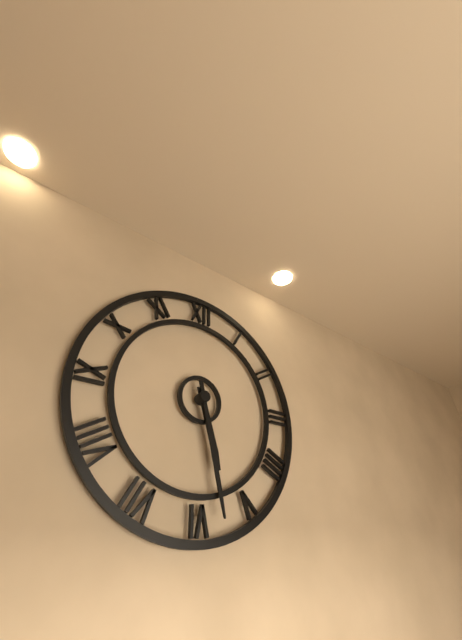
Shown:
5.28
